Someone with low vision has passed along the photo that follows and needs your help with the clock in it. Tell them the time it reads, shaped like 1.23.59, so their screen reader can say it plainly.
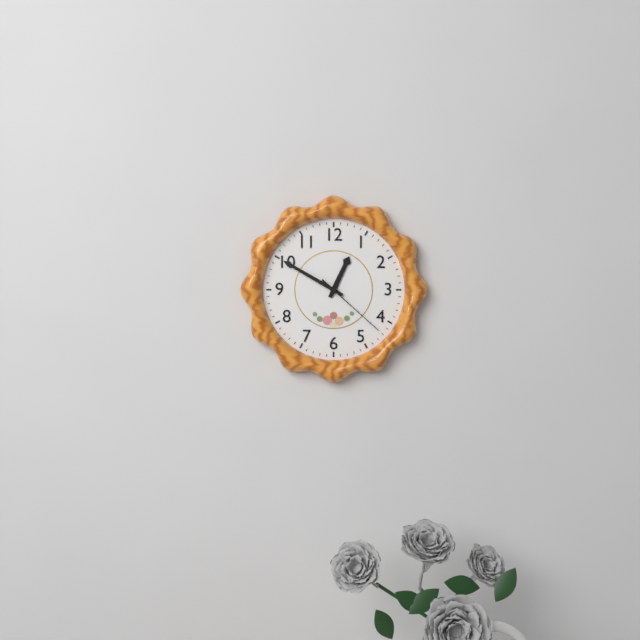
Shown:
12.50.22
